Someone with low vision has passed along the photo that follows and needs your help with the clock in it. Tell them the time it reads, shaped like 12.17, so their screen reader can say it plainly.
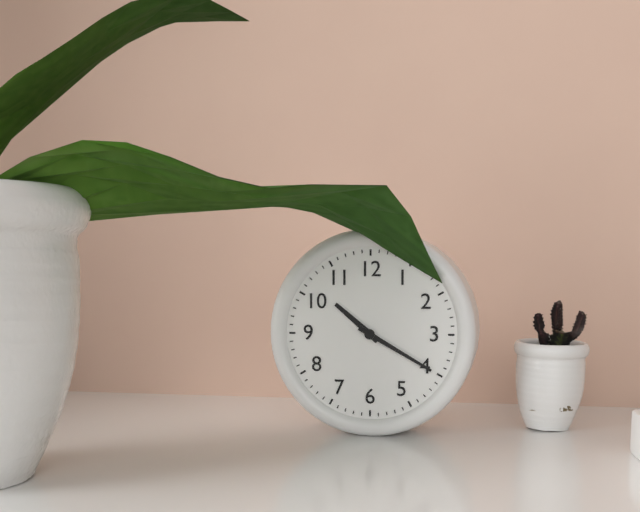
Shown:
10.20
